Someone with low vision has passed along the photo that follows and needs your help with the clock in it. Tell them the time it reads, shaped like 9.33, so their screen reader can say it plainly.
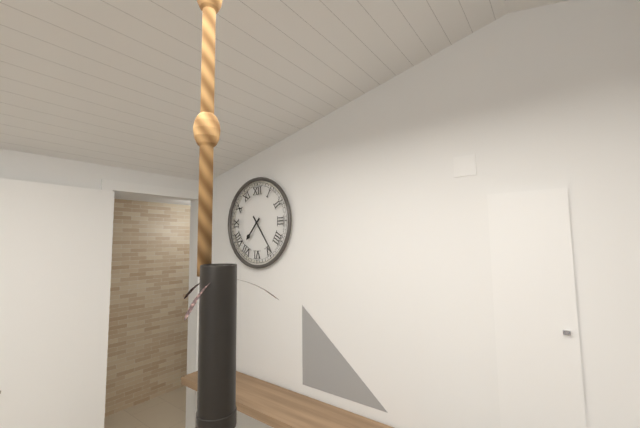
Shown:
7.24
